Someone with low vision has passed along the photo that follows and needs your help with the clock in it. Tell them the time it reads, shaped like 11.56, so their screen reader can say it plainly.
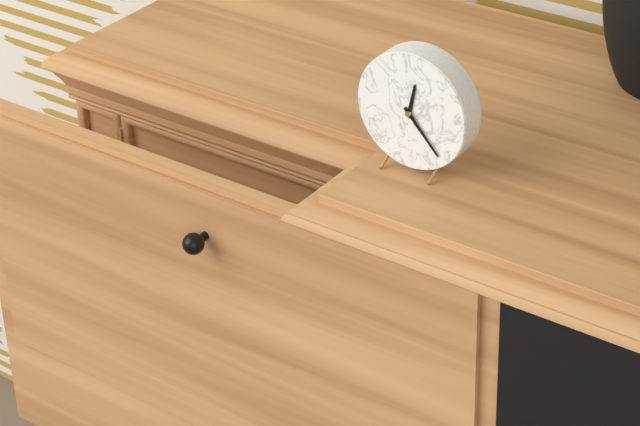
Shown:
12.23
